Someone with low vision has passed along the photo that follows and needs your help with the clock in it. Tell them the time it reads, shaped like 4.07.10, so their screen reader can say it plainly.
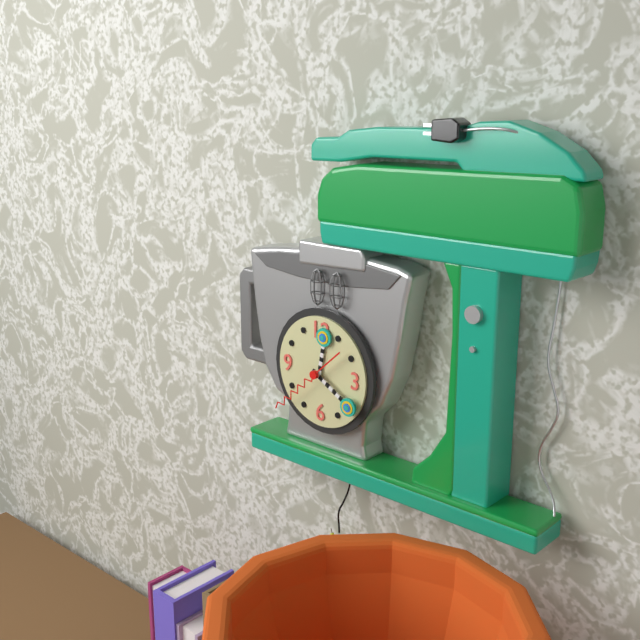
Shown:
12.20.38
